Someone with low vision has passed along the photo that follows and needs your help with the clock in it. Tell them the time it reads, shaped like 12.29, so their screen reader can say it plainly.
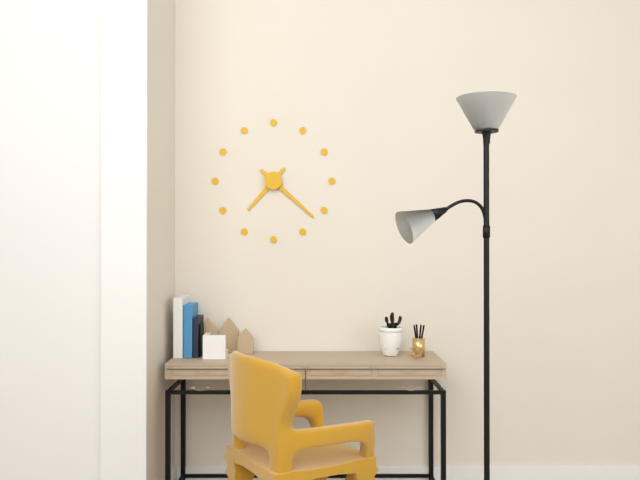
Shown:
7.22
